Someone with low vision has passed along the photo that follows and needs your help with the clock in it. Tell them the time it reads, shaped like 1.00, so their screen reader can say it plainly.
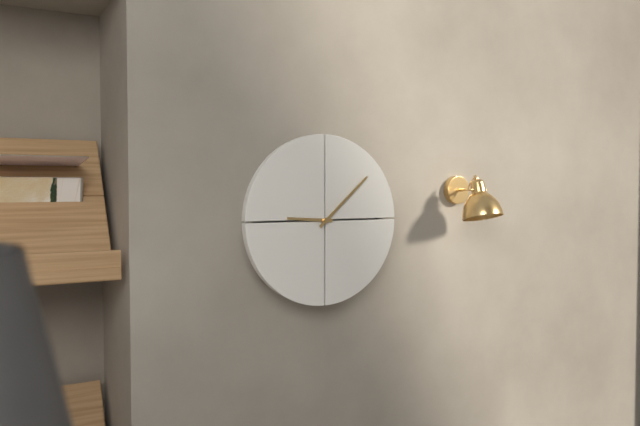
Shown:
9.08
